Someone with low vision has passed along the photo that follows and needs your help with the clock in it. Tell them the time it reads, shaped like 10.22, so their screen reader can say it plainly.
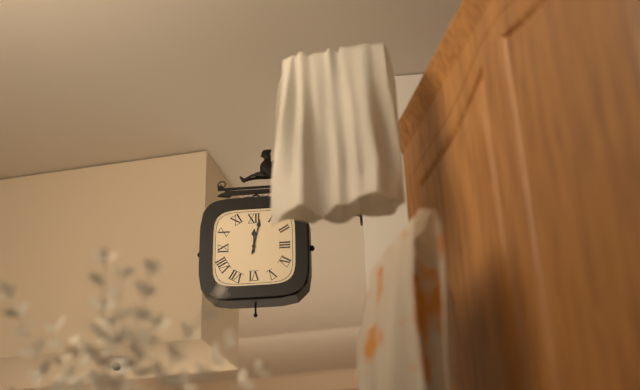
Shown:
12.02
